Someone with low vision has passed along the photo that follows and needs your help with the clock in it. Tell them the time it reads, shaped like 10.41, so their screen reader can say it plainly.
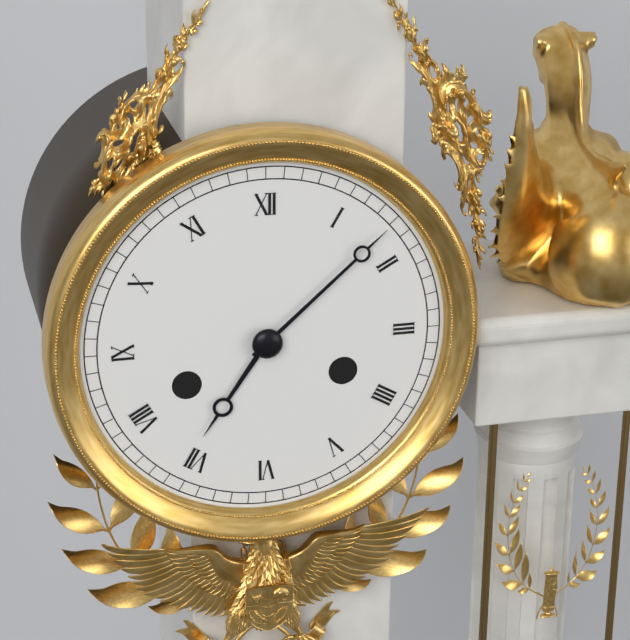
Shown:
7.08
